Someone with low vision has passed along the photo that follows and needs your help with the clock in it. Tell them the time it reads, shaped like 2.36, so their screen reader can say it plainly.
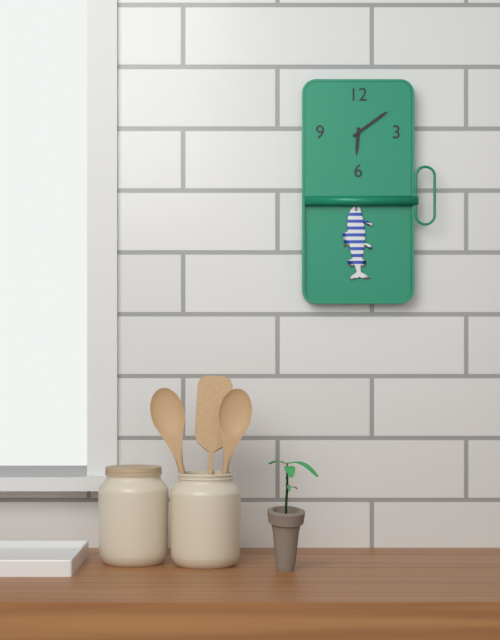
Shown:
6.09
